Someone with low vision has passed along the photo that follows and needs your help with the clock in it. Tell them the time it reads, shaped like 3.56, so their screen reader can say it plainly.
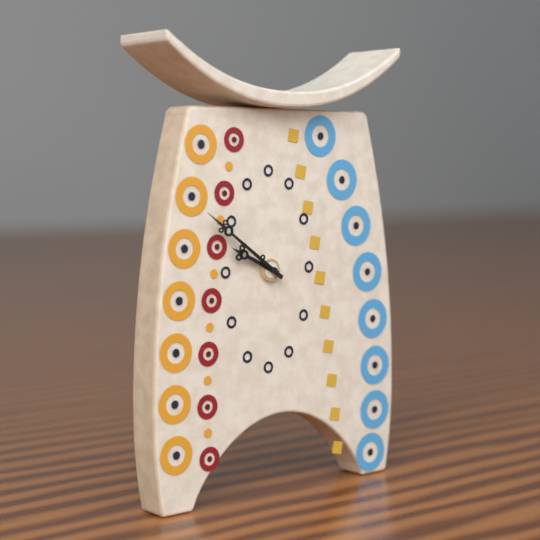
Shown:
9.51
